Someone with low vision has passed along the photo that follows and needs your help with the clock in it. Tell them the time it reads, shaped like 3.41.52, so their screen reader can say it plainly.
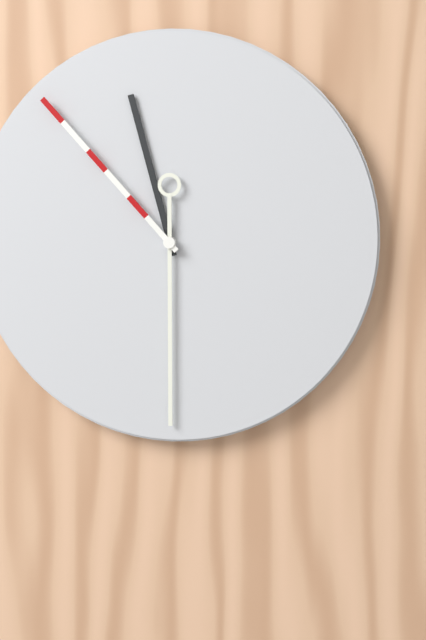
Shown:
11.30.53
